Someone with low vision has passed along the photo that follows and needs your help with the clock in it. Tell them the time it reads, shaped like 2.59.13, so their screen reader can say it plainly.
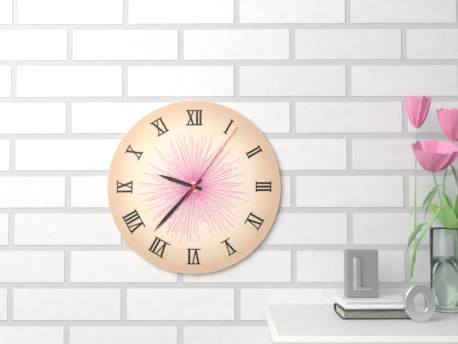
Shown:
9.37.06
